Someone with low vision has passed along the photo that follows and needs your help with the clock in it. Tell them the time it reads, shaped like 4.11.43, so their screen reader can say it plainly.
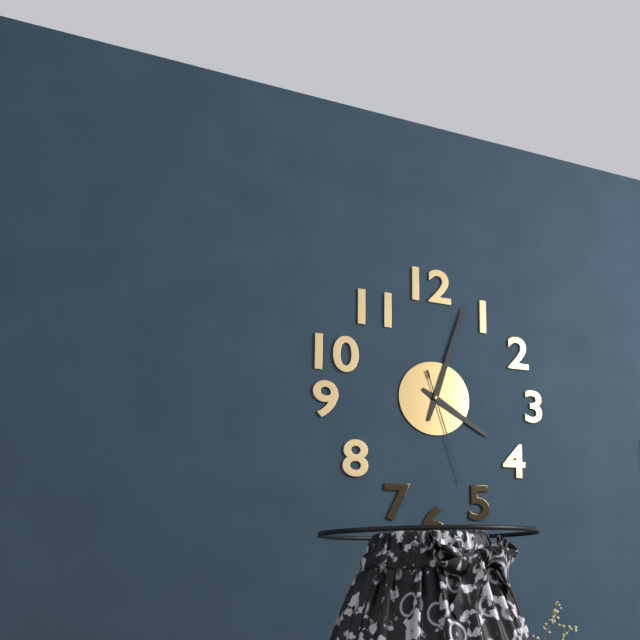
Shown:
4.03.27
